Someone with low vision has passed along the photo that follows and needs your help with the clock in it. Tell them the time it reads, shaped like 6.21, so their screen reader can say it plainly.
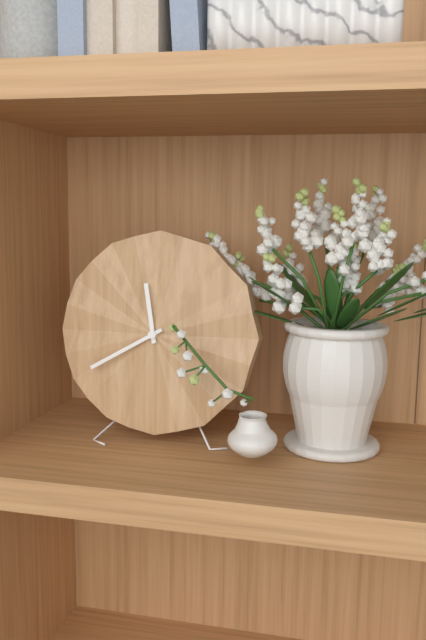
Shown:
11.40
